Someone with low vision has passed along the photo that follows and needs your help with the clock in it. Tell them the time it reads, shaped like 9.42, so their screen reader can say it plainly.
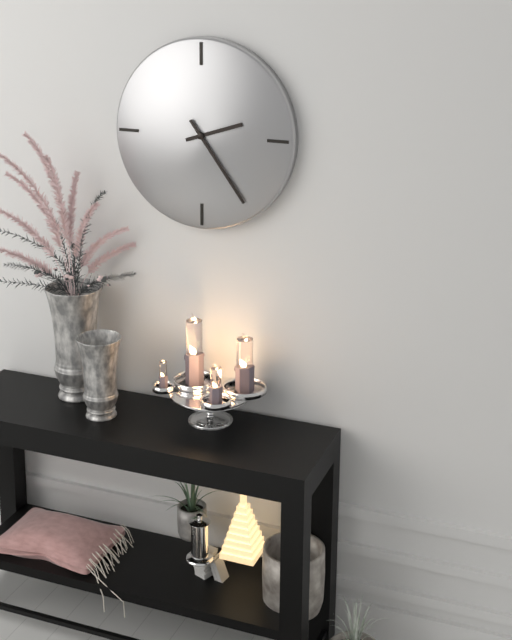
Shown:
2.24
